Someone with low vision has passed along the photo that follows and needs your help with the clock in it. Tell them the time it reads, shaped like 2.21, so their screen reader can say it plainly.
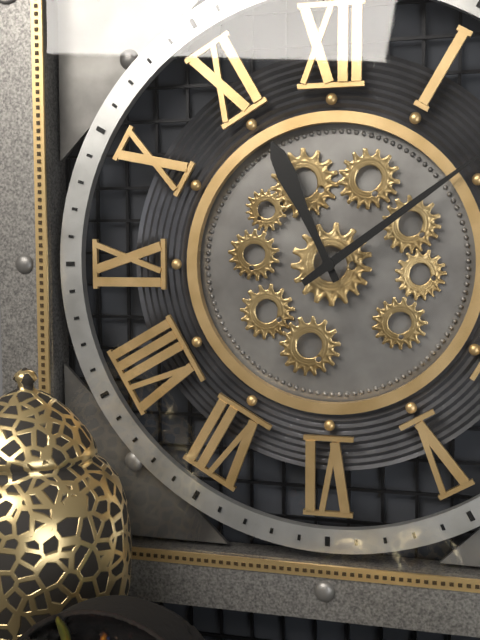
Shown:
11.09
